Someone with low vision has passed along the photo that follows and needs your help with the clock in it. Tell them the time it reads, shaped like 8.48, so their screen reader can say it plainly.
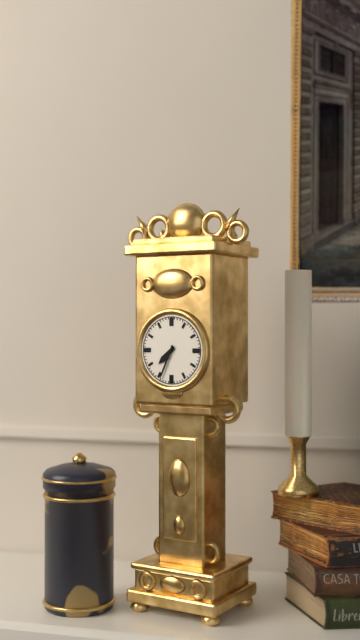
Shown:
7.34
